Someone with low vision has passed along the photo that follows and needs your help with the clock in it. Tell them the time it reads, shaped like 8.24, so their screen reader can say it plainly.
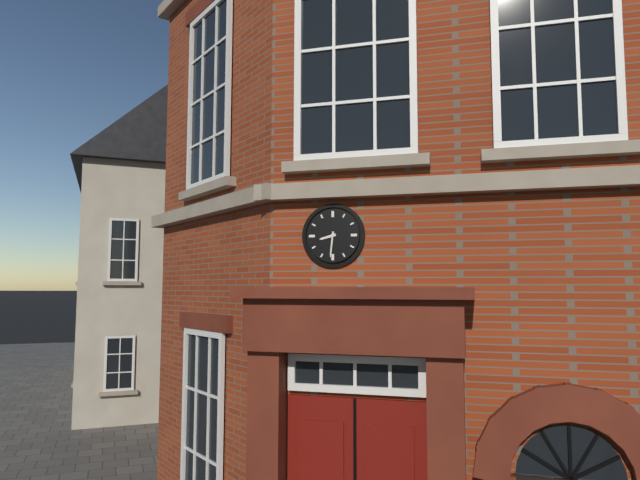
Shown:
8.31
